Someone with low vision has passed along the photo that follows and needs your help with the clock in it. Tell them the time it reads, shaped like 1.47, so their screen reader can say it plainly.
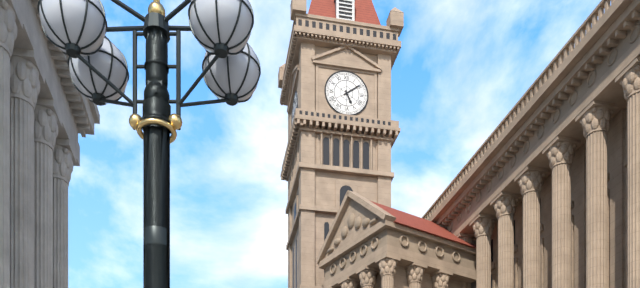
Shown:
5.09
